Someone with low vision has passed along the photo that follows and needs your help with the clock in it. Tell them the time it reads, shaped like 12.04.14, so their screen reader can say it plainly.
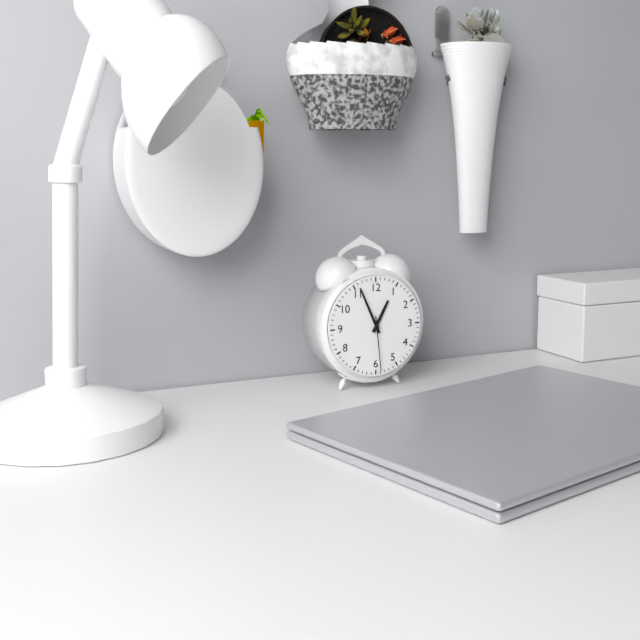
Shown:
12.56.29
